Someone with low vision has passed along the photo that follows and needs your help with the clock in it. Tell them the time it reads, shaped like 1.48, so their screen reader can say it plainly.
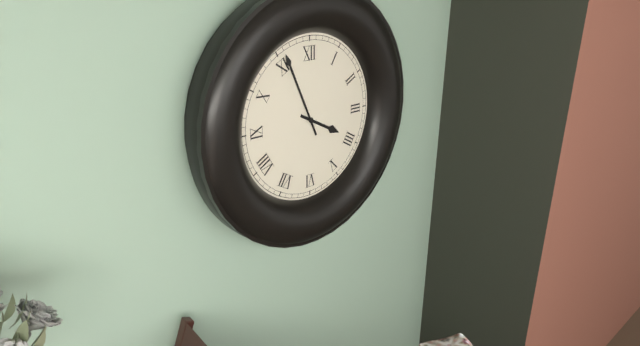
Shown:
3.56
